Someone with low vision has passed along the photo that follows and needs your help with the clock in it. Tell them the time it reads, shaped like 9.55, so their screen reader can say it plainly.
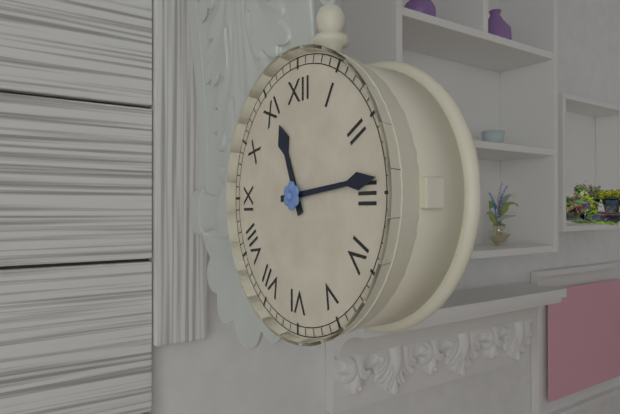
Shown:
11.14
